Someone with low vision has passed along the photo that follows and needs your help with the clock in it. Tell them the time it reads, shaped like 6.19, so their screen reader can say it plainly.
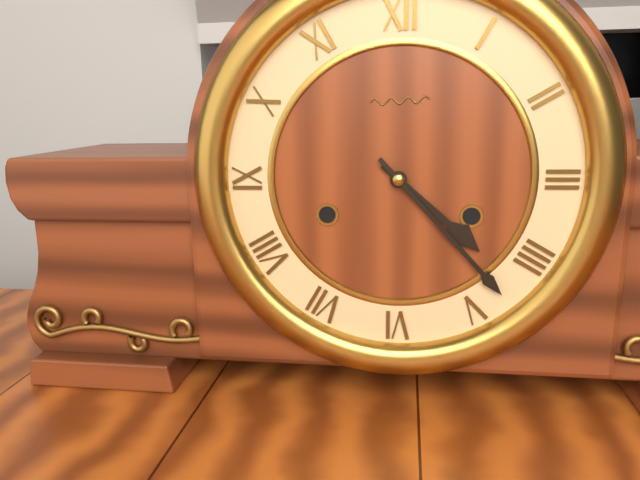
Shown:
4.23
